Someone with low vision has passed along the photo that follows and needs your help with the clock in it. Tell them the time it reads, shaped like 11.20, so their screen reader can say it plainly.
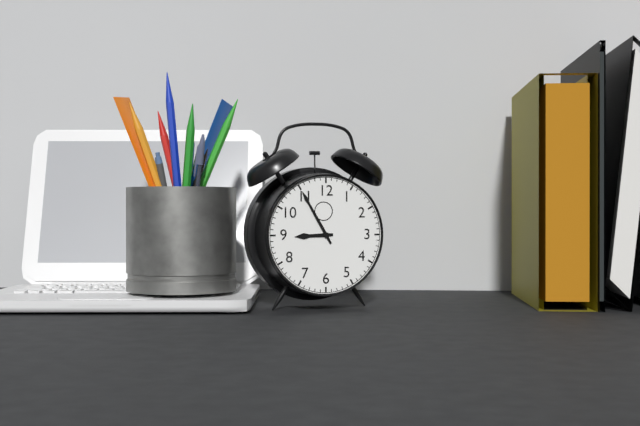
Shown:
8.55
